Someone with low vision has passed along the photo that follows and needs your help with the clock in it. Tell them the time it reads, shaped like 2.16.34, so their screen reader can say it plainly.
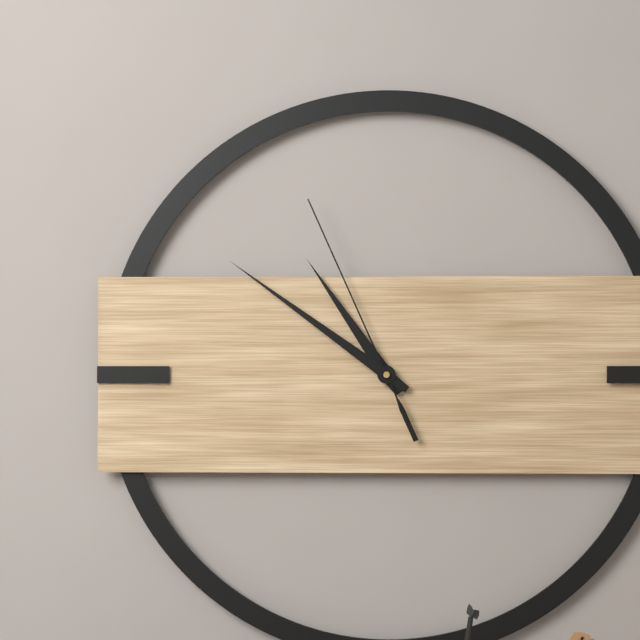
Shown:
10.51.56
